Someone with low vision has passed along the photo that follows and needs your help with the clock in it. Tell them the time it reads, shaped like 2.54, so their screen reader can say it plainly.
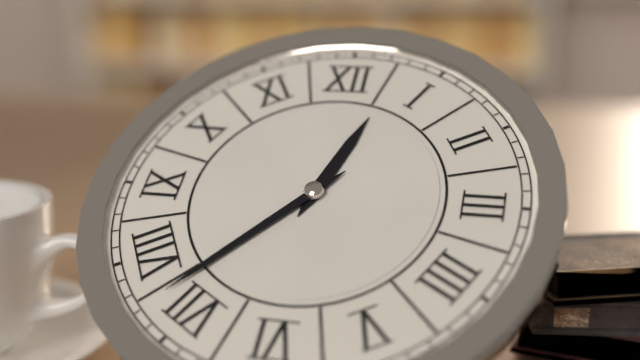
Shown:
12.37
